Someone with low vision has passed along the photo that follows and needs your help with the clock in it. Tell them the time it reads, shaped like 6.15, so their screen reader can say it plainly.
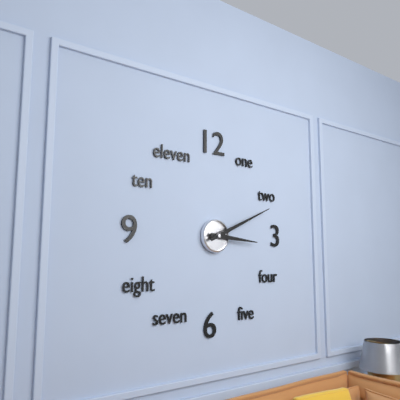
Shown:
3.11
